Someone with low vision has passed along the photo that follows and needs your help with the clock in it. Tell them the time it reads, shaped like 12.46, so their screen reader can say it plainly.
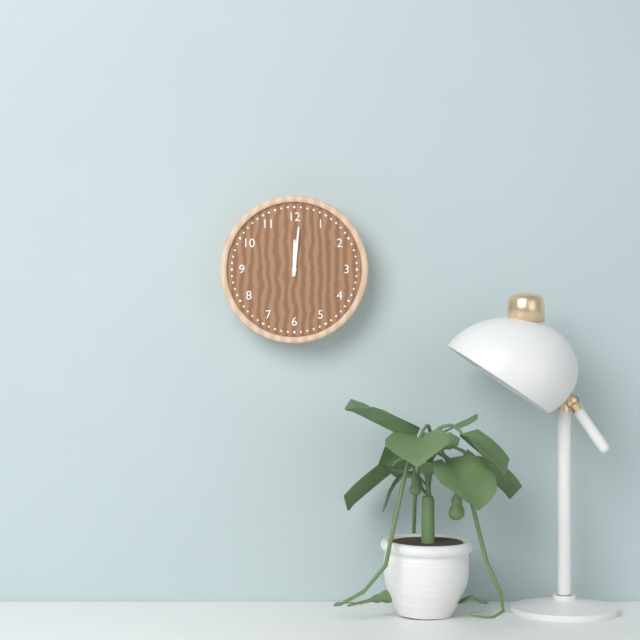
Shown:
12.01
